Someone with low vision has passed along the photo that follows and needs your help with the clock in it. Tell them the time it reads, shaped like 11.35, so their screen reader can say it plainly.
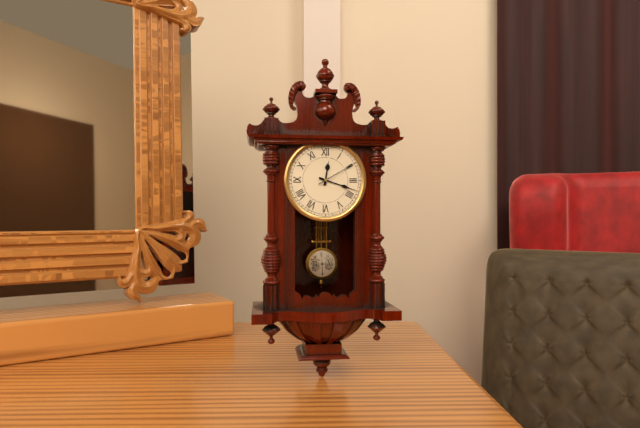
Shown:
12.18
